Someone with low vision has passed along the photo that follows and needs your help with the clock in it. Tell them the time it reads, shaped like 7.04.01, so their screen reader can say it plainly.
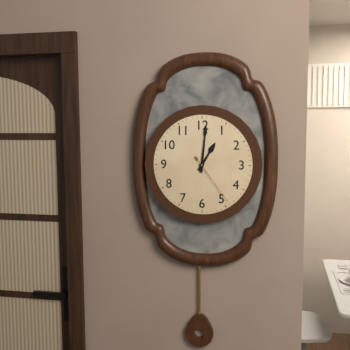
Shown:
1.01.24
